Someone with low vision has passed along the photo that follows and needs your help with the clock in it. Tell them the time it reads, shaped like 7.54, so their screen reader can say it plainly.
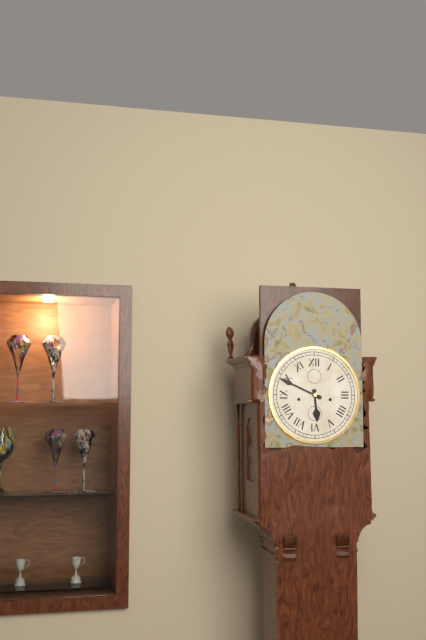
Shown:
5.49
